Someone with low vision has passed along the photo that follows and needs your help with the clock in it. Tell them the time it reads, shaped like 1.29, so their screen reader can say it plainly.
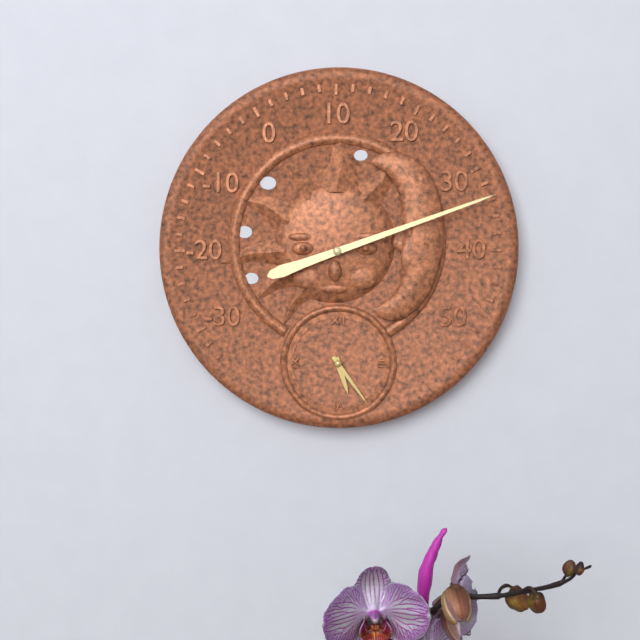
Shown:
5.24
